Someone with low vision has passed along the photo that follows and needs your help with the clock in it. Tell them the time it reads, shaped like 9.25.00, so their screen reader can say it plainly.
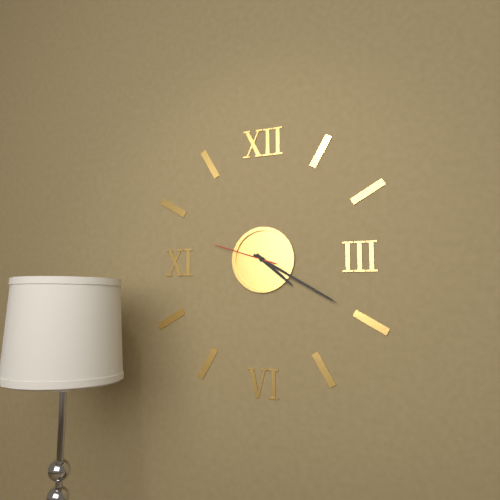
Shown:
4.20.48
